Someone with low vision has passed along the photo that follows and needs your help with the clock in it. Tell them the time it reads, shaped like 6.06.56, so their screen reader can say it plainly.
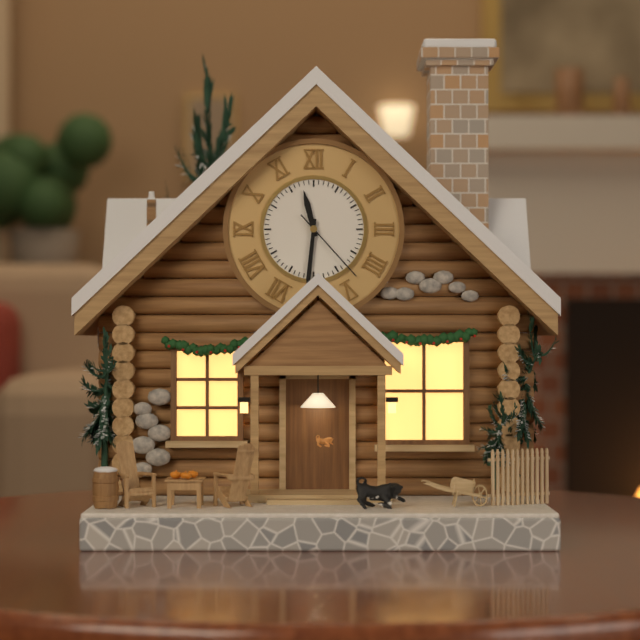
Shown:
11.31.23
